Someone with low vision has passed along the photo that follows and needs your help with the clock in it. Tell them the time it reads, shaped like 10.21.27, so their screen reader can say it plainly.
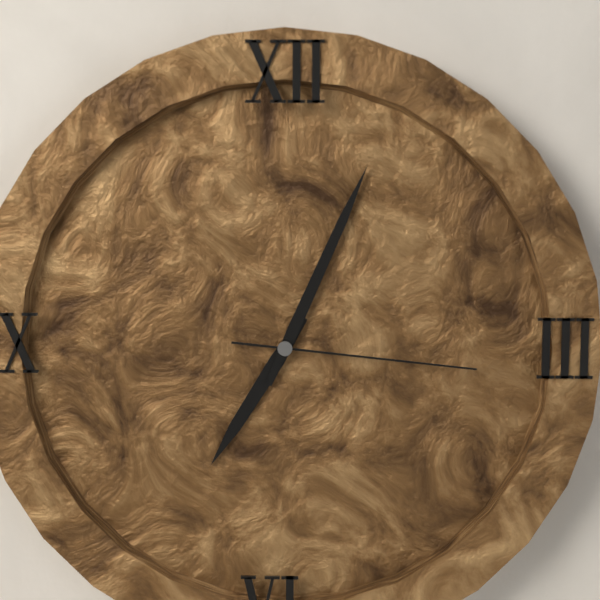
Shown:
7.04.16
